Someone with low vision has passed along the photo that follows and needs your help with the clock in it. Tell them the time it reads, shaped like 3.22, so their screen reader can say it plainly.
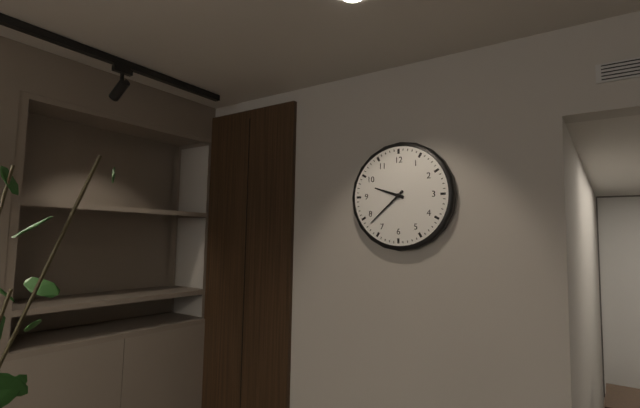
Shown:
9.38
